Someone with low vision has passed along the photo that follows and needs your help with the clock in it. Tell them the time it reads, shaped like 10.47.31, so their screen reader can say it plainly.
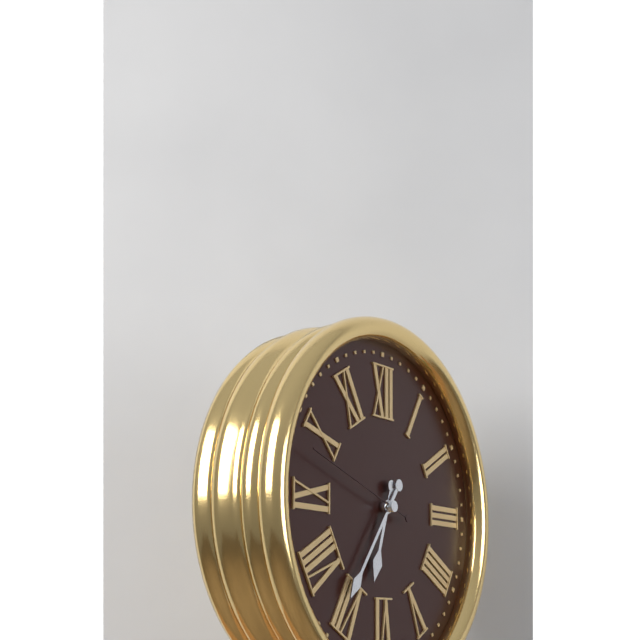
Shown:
6.36.48
